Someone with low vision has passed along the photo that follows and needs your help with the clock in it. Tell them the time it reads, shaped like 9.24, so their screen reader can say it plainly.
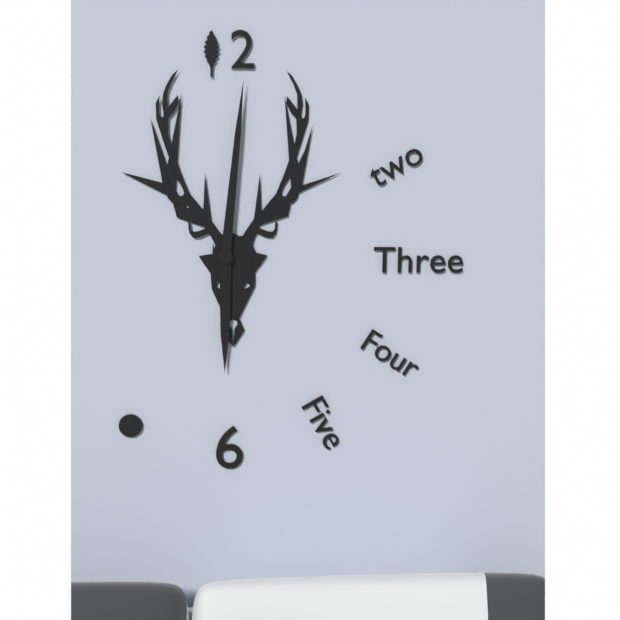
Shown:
6.01
